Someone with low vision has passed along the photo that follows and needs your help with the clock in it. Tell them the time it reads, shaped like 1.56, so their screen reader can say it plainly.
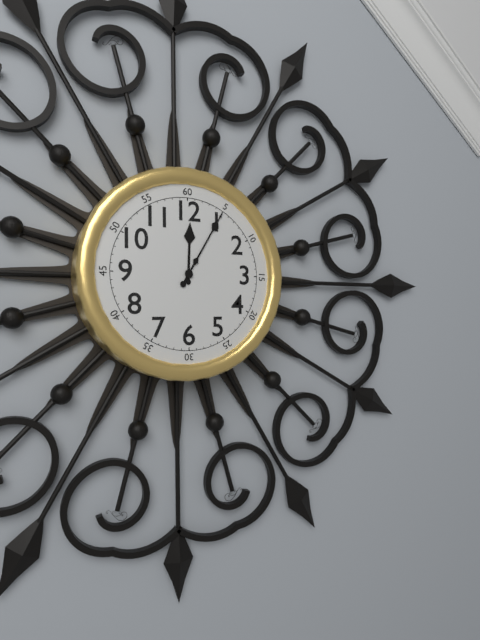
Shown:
12.05
